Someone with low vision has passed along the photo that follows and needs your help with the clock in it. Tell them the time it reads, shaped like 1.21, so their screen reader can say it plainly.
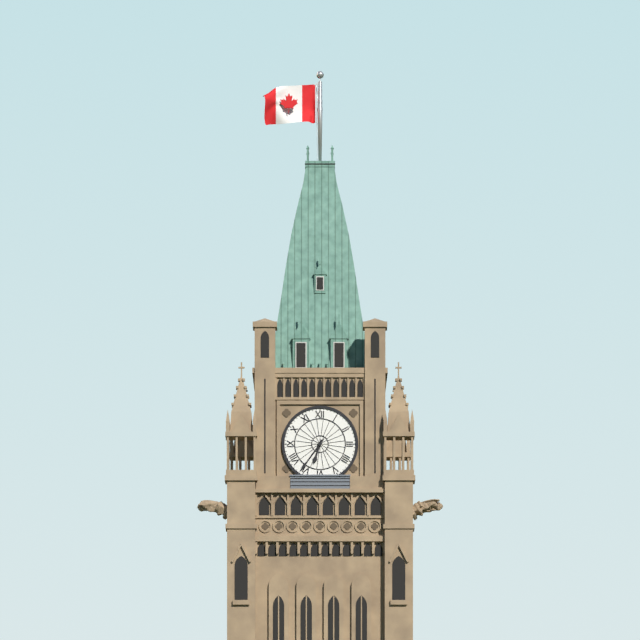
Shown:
6.36
